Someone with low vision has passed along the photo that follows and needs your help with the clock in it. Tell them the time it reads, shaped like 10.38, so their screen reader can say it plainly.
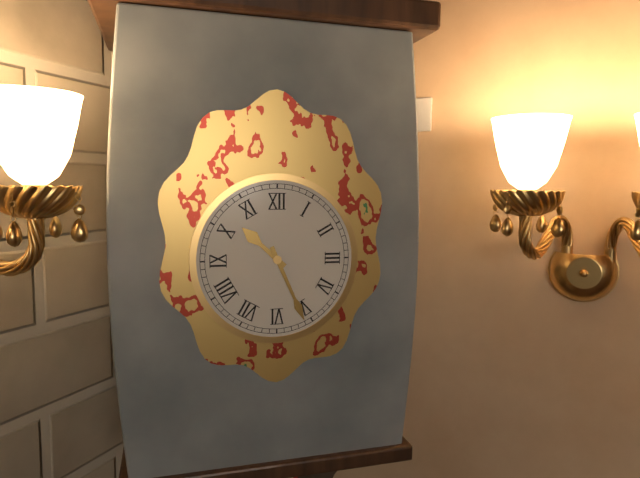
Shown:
10.26
